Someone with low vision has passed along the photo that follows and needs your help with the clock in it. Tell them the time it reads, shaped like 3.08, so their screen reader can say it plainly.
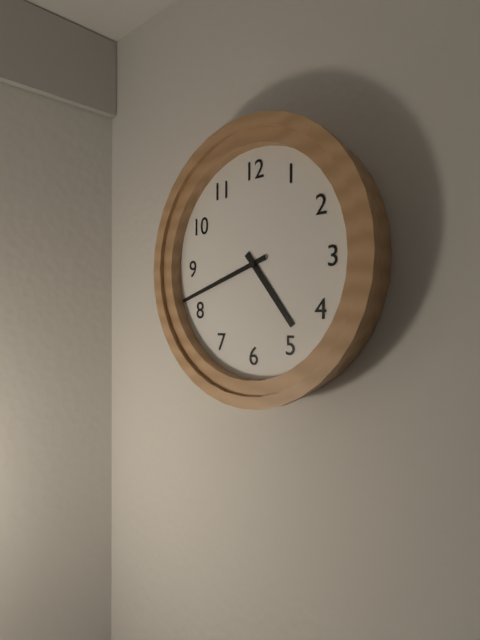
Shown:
4.42
